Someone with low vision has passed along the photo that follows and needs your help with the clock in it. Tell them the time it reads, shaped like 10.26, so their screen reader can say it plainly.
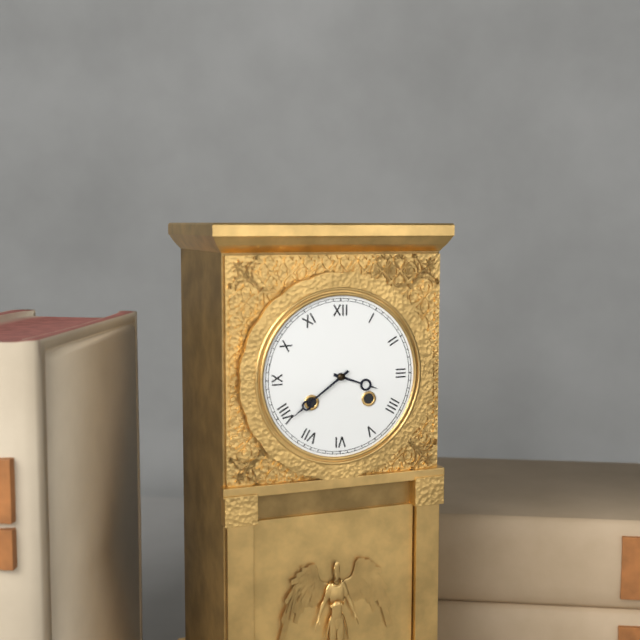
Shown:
3.39
